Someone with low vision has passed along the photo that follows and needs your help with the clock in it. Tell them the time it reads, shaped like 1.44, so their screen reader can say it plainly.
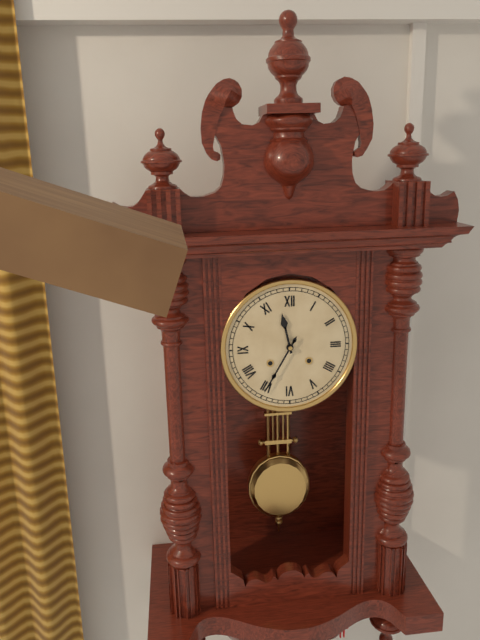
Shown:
11.35
